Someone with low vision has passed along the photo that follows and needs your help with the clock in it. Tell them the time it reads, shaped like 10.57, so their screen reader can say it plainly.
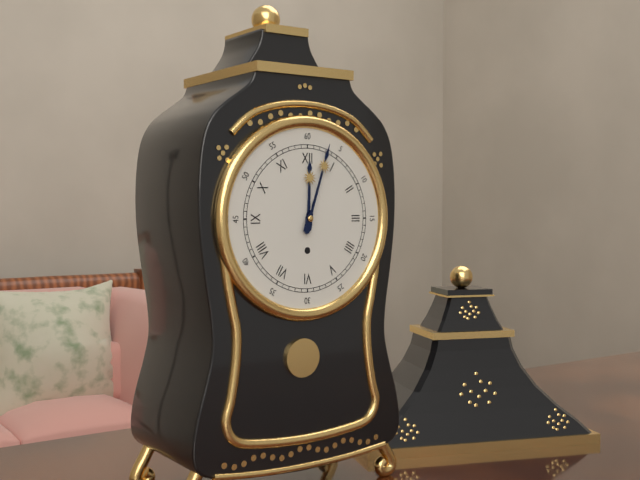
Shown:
12.03
